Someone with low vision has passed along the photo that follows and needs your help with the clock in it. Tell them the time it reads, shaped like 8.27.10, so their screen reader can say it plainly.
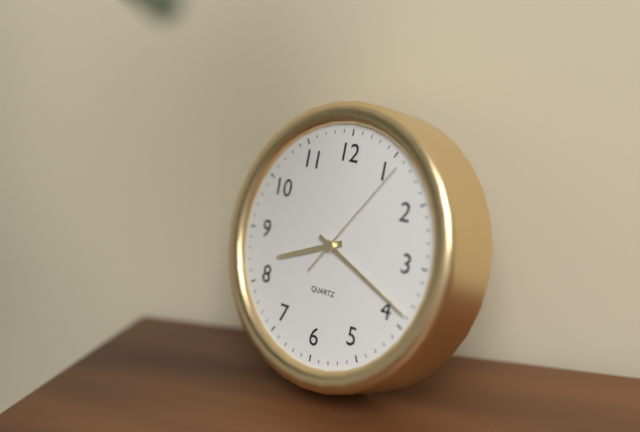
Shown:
8.19.06
